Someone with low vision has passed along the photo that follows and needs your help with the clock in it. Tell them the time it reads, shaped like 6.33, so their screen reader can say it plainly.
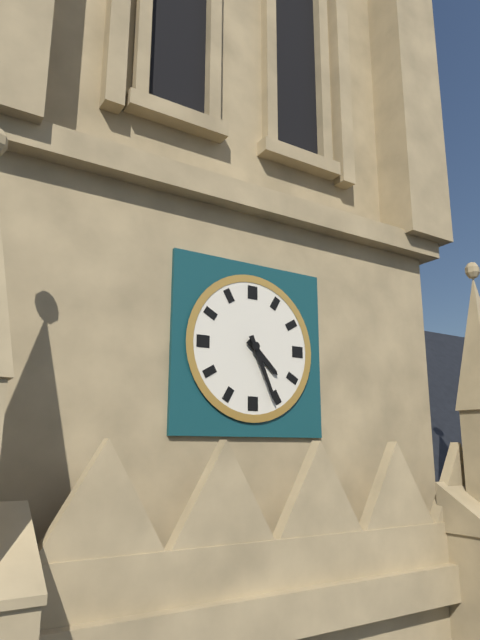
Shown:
4.26
